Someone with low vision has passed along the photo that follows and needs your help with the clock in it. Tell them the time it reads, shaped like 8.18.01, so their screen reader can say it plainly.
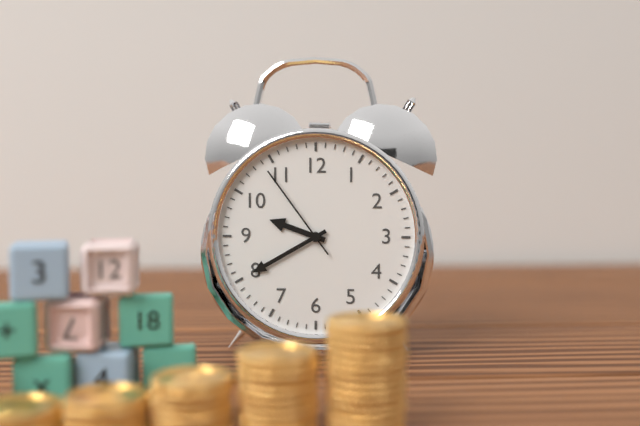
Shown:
9.40.54
